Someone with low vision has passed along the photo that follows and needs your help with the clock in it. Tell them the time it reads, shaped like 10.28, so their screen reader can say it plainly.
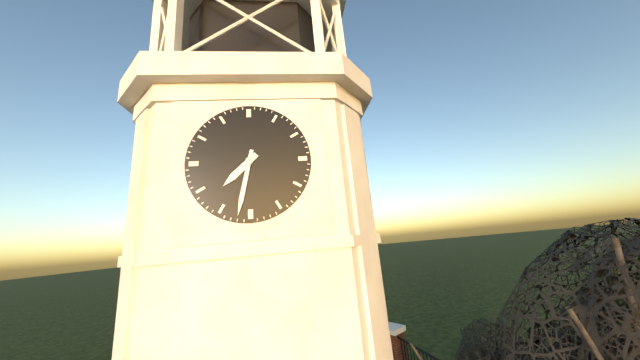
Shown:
7.32
